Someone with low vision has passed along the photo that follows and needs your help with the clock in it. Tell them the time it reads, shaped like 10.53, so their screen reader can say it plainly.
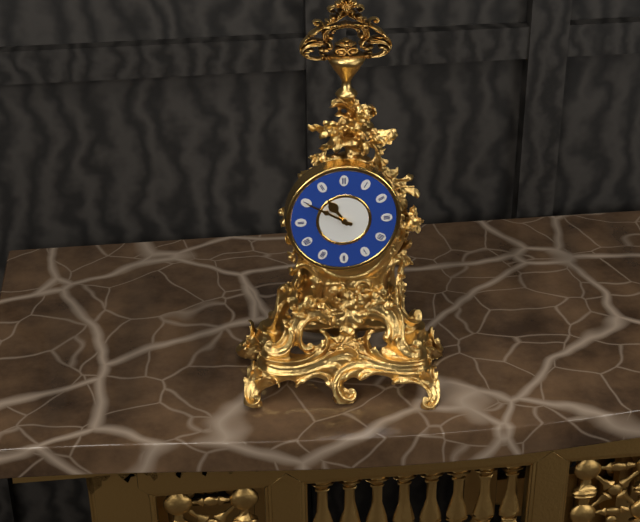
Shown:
10.50
